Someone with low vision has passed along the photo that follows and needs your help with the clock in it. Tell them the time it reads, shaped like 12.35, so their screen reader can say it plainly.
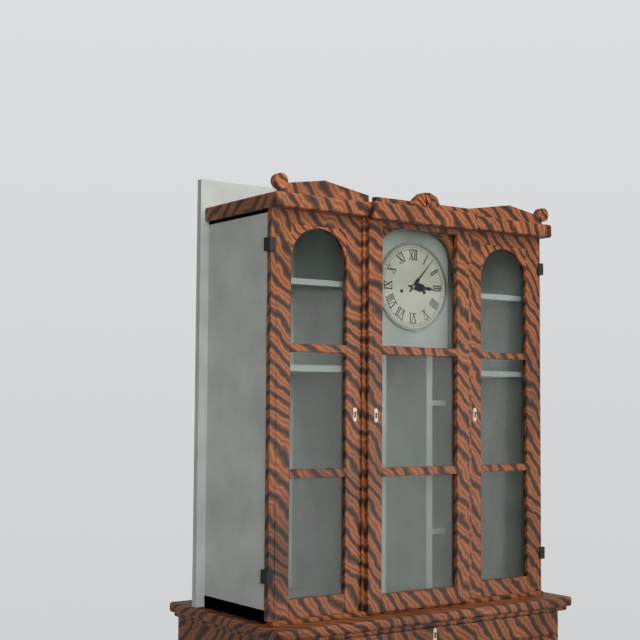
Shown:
3.07
